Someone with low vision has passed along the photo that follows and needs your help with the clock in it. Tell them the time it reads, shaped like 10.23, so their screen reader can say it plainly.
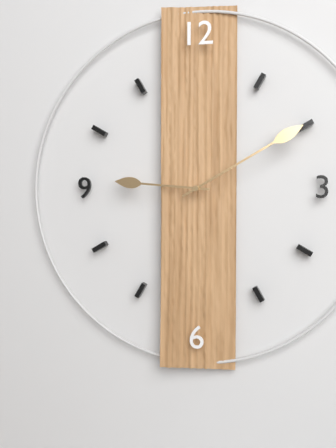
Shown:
9.10
